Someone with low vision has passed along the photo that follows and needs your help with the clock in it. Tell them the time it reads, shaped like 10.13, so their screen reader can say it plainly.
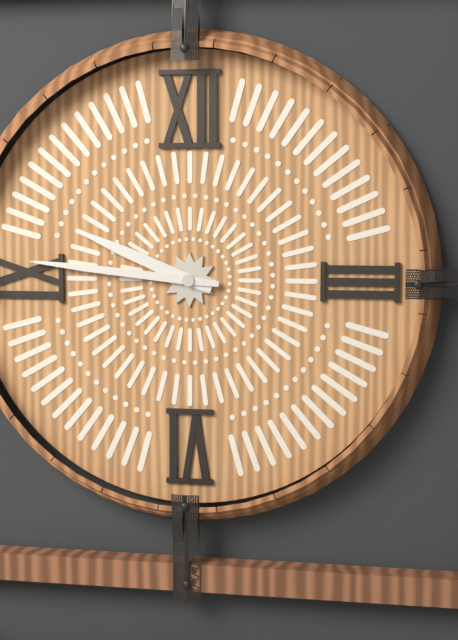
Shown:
9.46
